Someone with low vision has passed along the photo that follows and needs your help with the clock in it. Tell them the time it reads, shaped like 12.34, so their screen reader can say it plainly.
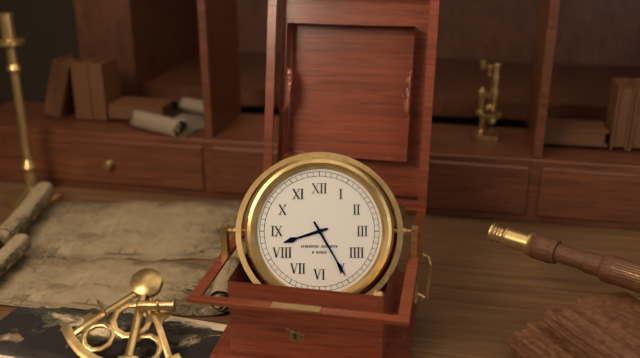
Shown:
8.25
